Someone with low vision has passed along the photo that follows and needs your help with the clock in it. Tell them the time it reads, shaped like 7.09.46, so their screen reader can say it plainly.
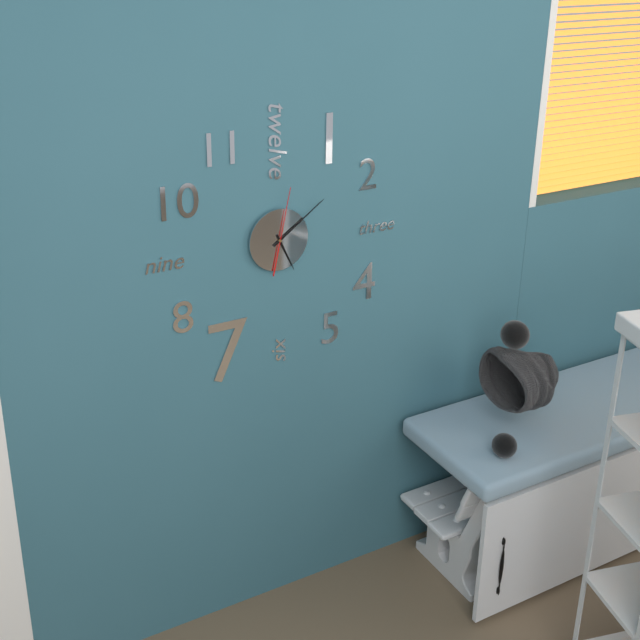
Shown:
5.09.02
